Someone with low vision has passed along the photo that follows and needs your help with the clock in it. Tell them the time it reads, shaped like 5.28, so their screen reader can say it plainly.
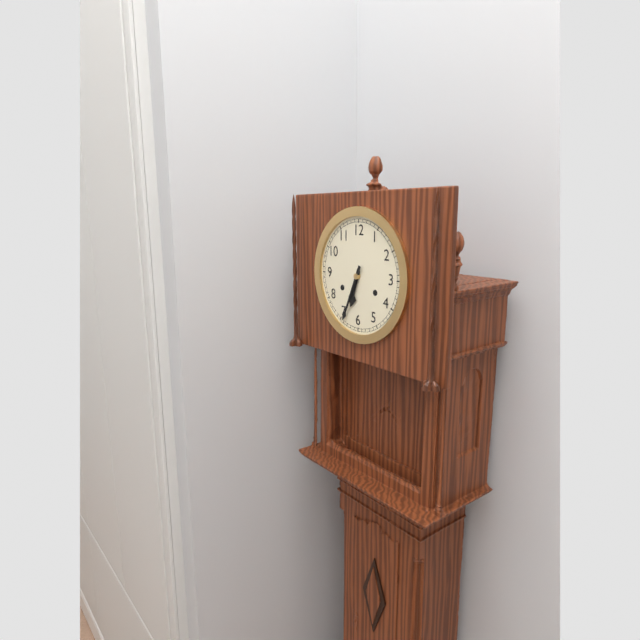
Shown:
6.34
